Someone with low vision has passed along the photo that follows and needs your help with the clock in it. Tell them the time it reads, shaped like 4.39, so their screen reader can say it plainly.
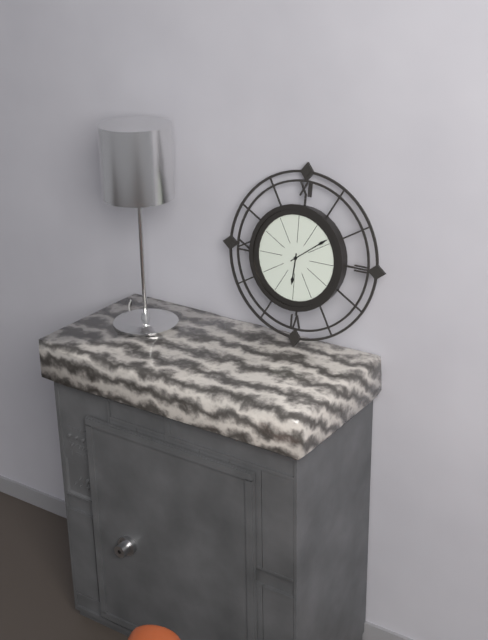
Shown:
6.09
